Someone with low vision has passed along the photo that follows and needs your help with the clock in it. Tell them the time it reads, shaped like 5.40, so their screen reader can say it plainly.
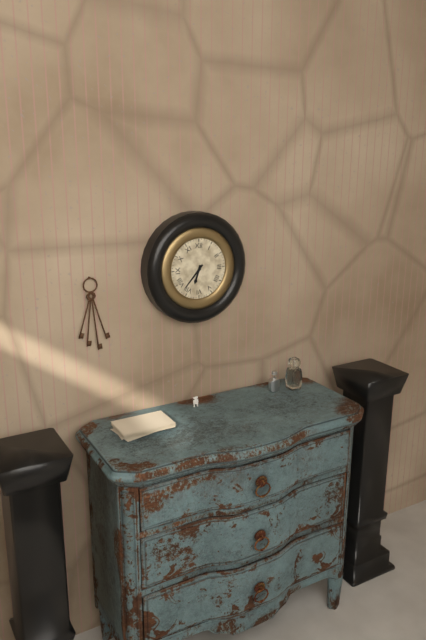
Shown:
6.37
